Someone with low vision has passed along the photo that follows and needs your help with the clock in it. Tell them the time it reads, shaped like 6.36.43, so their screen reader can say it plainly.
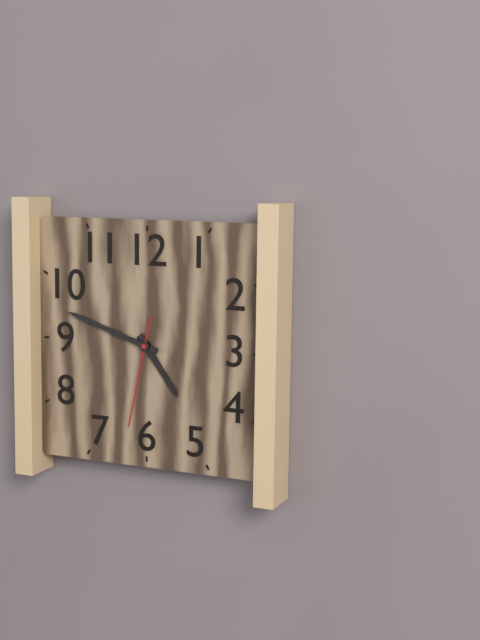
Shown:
4.48.32
